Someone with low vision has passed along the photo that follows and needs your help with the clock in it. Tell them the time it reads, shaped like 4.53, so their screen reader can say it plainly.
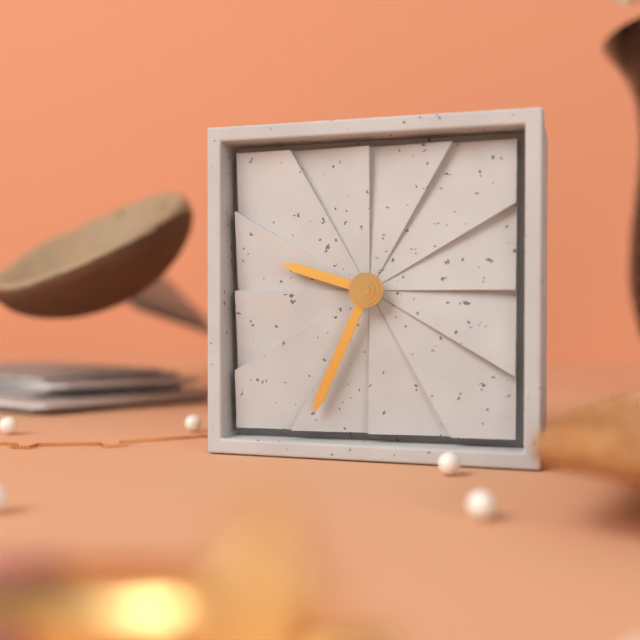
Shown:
9.34
